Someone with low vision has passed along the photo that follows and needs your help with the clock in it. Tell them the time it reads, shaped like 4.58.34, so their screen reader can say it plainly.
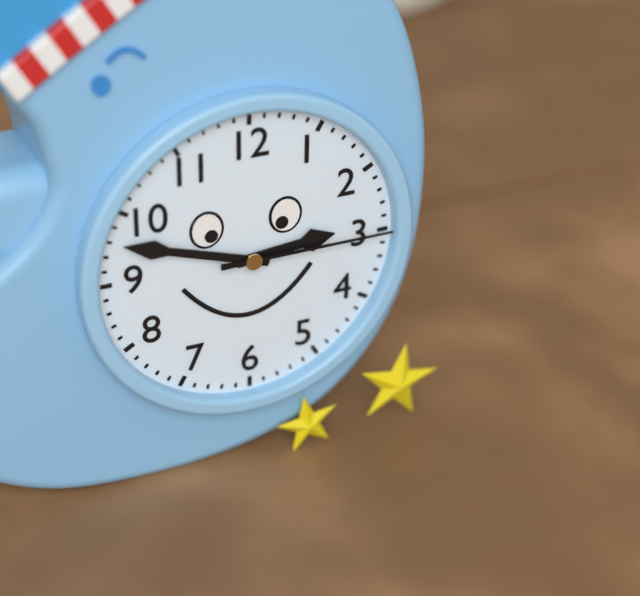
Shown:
2.48.15
